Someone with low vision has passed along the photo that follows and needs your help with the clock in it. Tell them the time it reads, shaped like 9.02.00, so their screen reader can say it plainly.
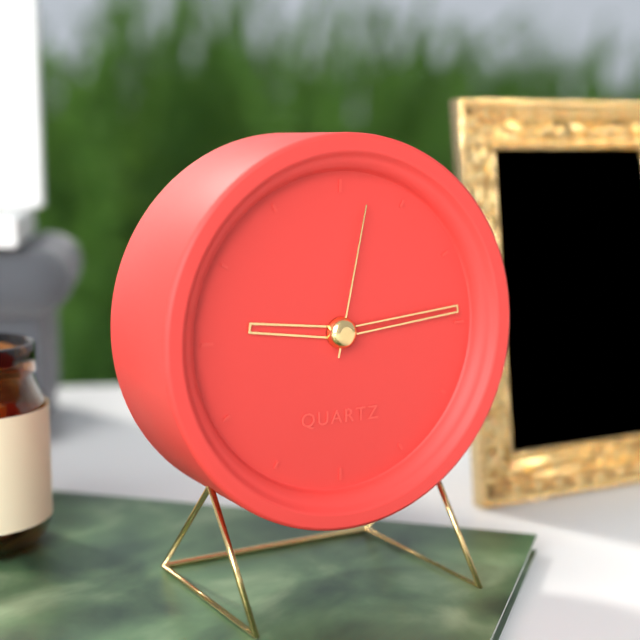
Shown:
9.14.02
